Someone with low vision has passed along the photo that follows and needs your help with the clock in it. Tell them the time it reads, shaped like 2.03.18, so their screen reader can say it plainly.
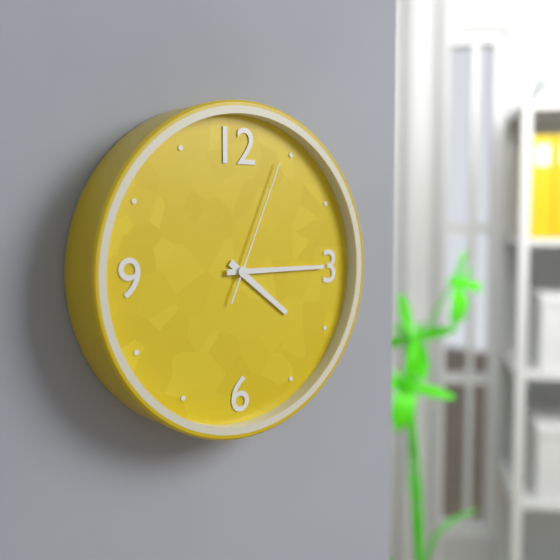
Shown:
4.15.04
